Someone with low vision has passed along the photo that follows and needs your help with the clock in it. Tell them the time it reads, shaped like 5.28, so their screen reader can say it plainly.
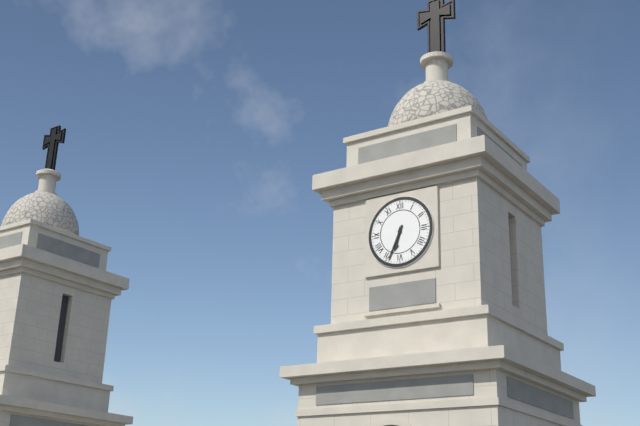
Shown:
6.34
